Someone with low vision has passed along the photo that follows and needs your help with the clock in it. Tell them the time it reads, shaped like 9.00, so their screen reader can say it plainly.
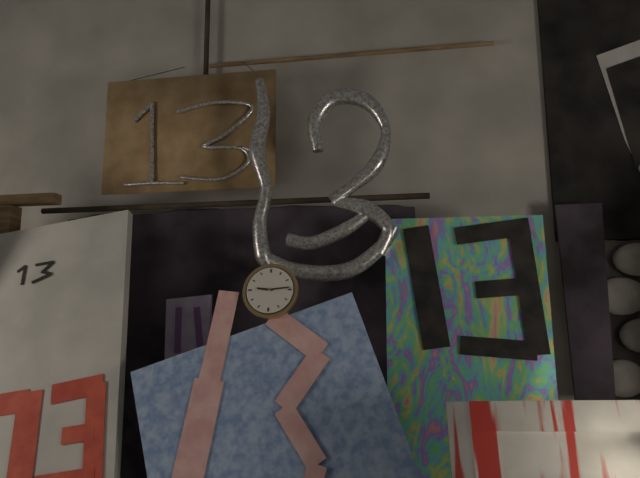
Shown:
9.14
